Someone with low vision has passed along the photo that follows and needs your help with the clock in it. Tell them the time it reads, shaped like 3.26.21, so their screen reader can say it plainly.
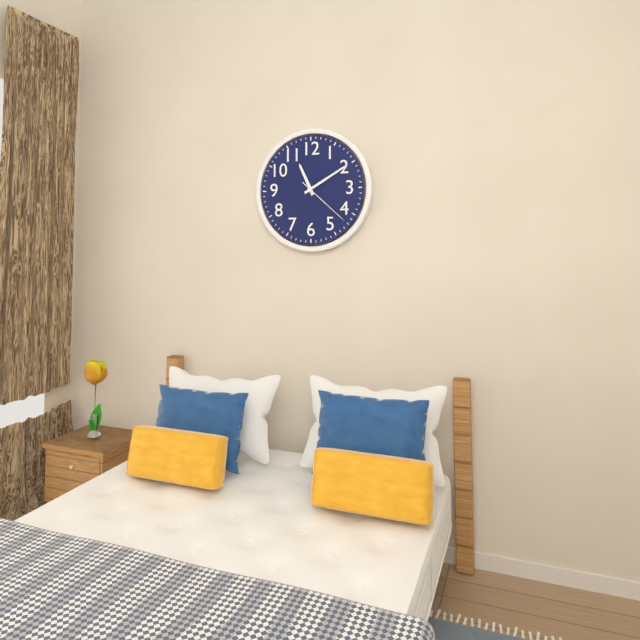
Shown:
11.10.22
